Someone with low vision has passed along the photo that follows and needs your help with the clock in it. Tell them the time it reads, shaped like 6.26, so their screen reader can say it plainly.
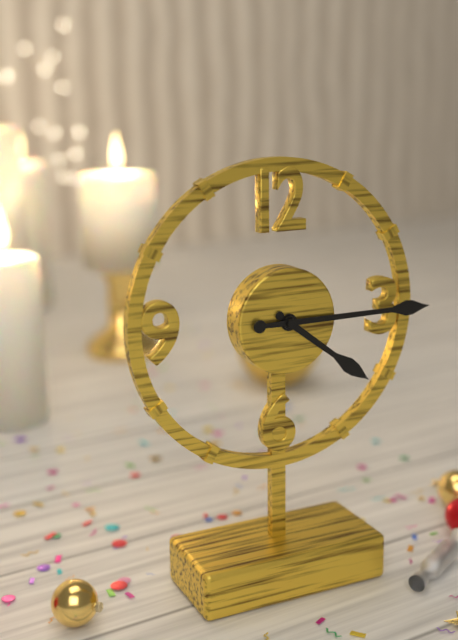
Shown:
4.15
